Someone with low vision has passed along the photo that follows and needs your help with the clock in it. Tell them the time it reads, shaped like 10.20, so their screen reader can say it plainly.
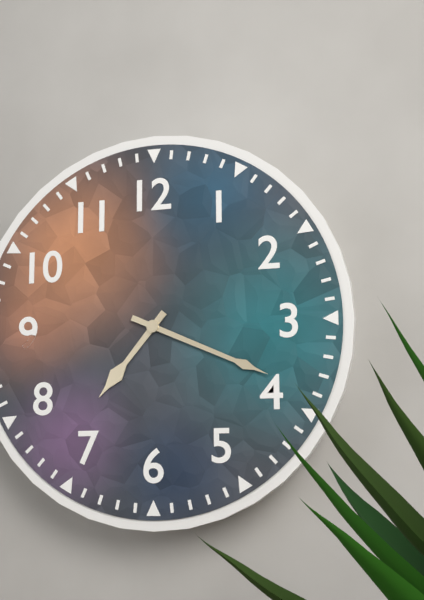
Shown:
7.19
